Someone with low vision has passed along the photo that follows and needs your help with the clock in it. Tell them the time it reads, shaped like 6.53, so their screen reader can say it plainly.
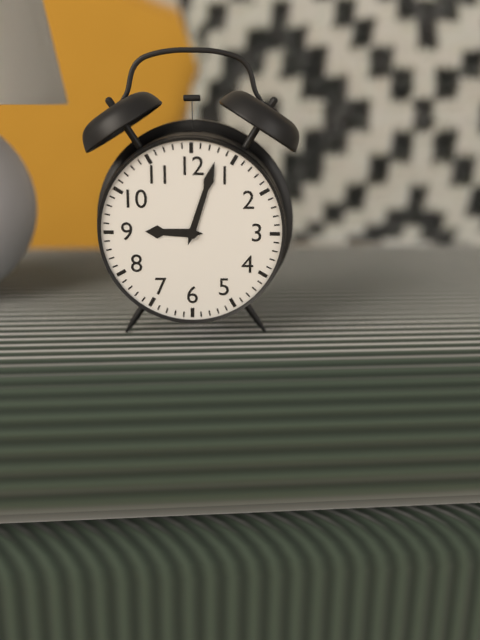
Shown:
9.03
